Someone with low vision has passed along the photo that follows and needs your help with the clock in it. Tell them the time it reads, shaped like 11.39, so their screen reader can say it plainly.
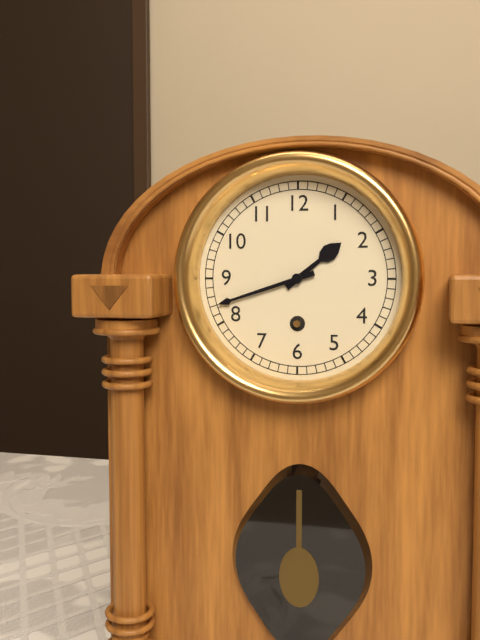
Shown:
1.42
